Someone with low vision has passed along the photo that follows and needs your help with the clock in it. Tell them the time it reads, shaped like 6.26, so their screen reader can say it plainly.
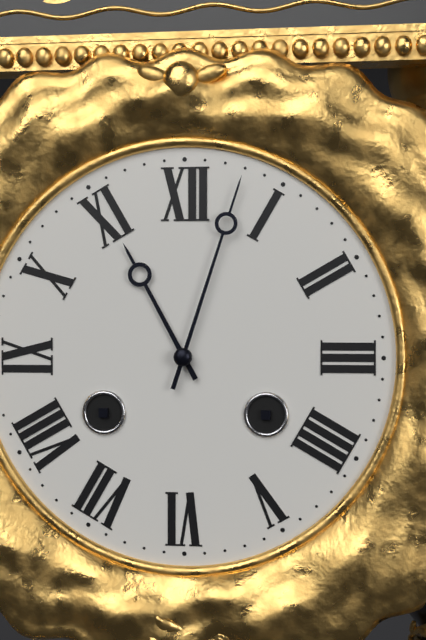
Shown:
11.03
